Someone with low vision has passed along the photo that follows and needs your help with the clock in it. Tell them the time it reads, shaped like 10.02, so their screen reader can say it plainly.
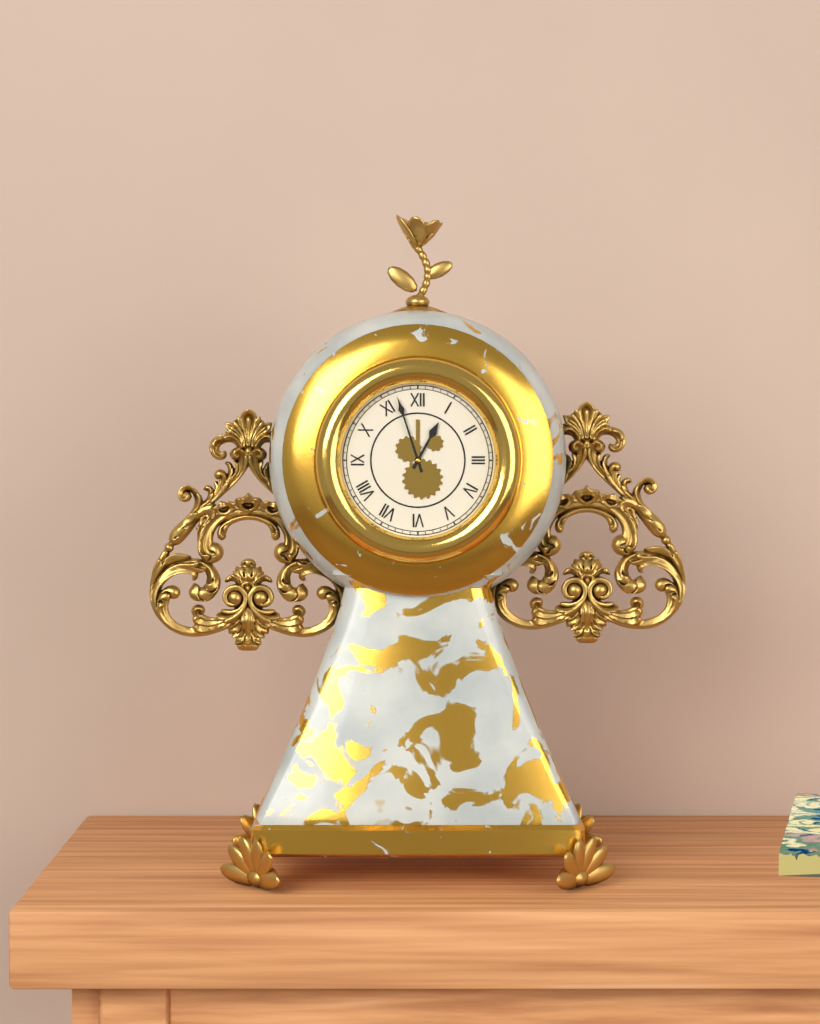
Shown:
12.57
